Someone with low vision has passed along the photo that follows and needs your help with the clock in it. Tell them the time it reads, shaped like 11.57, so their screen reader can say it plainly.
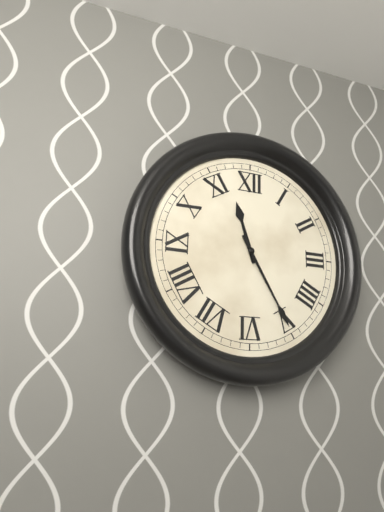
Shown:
11.25
